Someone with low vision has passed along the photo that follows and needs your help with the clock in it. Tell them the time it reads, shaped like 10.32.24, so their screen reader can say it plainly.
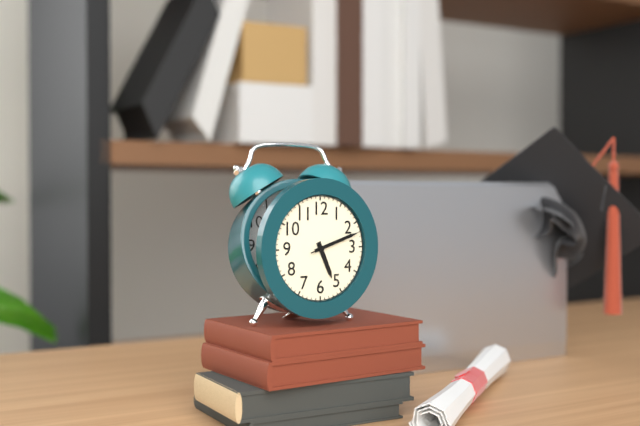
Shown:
5.12.12
